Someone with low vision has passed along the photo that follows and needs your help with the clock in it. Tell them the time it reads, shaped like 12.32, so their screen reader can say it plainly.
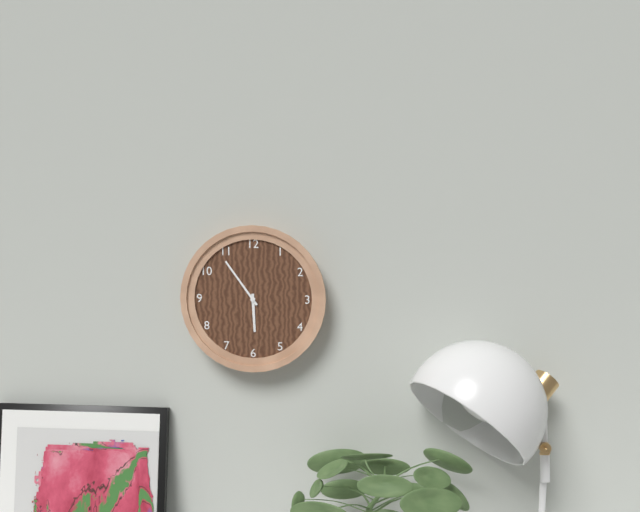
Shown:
5.54
